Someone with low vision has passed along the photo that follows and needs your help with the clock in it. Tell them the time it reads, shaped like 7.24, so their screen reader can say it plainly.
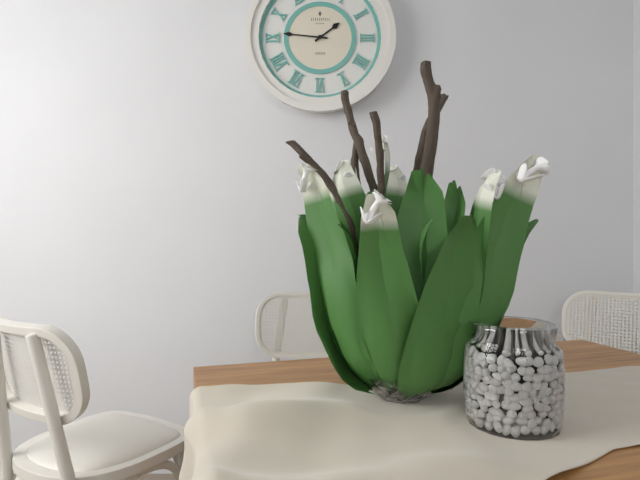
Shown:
1.46
